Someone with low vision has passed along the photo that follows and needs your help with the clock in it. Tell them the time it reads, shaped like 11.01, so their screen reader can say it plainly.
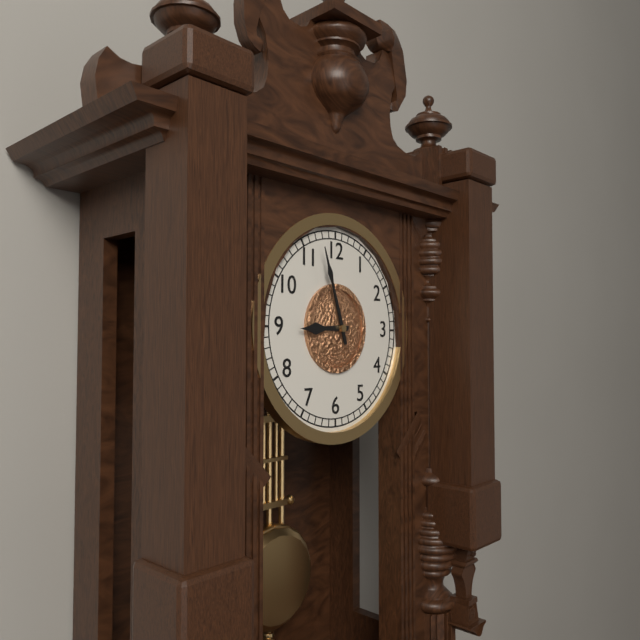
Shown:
8.57
